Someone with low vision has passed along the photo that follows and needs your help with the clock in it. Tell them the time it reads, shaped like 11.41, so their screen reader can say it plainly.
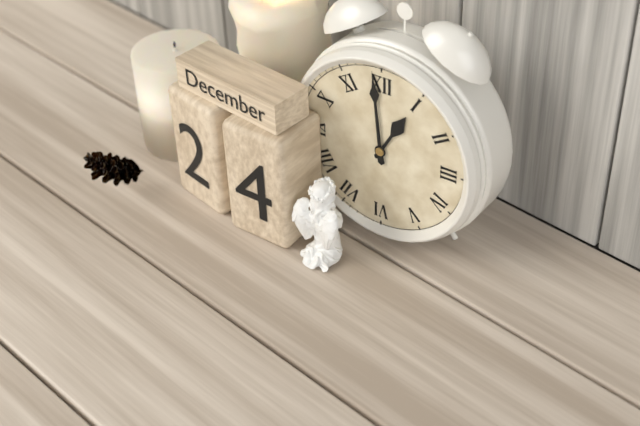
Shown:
12.59
